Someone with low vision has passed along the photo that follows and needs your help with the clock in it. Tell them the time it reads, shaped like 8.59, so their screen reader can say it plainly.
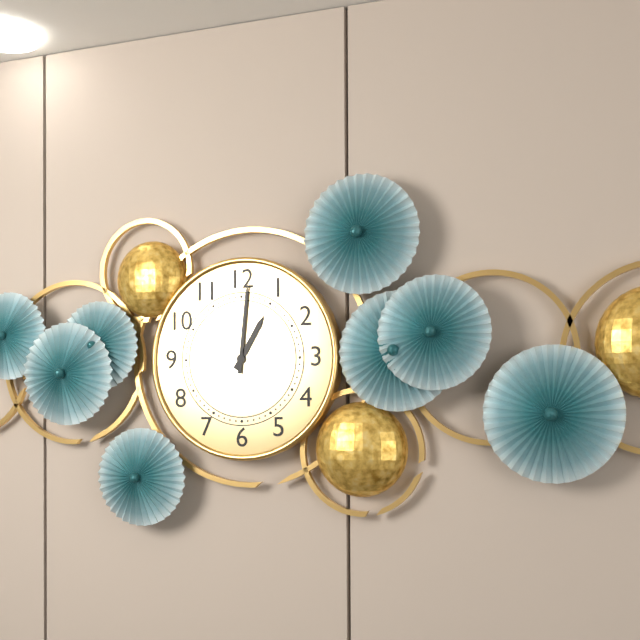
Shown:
1.01
